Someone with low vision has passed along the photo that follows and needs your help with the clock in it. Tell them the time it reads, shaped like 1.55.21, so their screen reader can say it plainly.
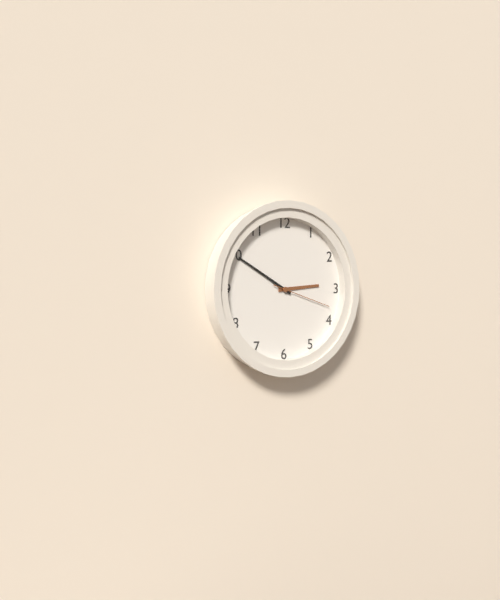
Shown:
2.50.18
